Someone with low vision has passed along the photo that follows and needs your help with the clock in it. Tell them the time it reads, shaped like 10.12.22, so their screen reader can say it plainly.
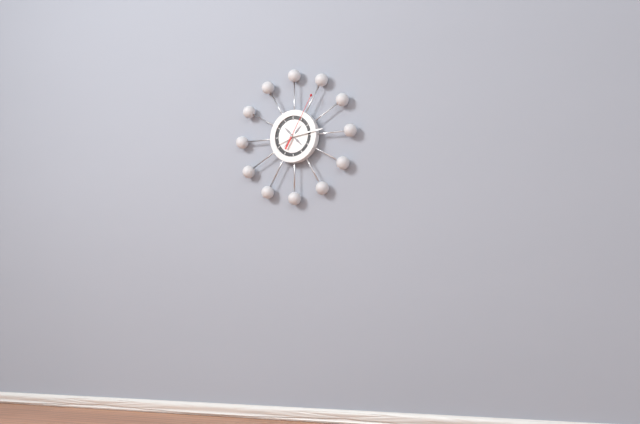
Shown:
8.14.05
